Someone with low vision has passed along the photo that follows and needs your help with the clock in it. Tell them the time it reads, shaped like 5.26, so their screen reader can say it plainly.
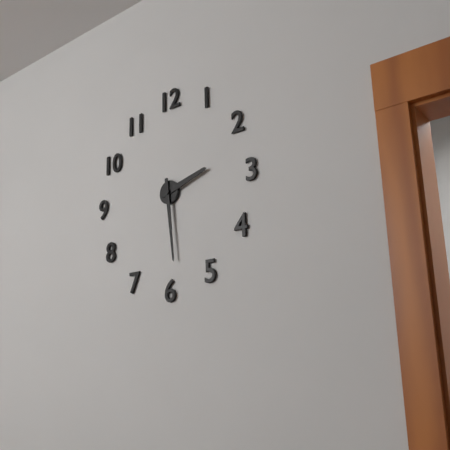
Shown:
2.29
